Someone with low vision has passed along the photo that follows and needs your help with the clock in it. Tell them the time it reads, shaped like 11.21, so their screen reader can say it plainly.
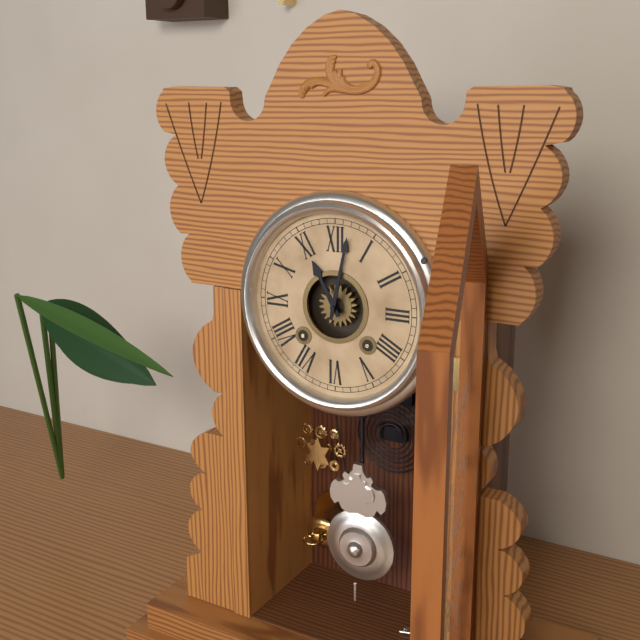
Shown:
11.02
